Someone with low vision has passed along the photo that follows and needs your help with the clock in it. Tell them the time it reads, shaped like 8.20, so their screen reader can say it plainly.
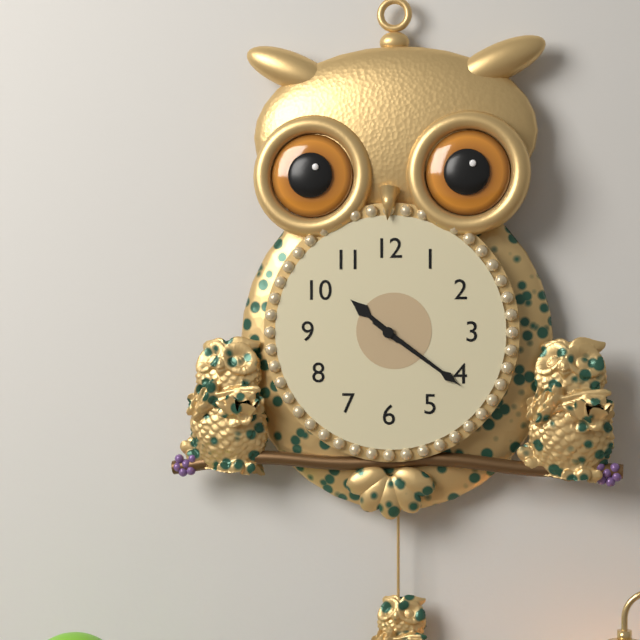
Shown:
10.21
